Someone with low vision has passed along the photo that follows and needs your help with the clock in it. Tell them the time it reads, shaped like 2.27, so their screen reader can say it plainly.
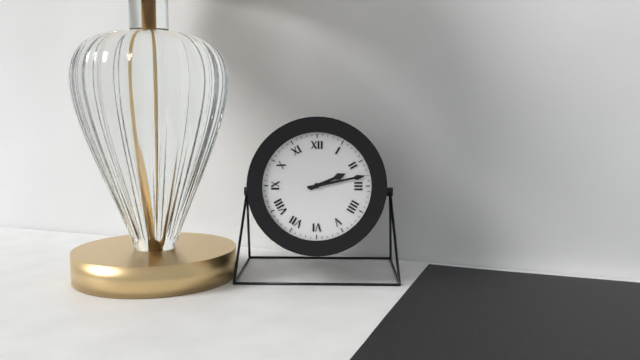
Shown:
2.13
